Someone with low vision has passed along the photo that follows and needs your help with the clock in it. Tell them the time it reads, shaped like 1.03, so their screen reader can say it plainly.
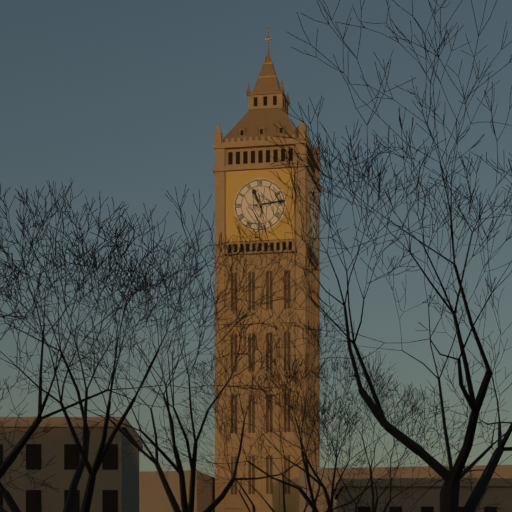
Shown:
11.14
